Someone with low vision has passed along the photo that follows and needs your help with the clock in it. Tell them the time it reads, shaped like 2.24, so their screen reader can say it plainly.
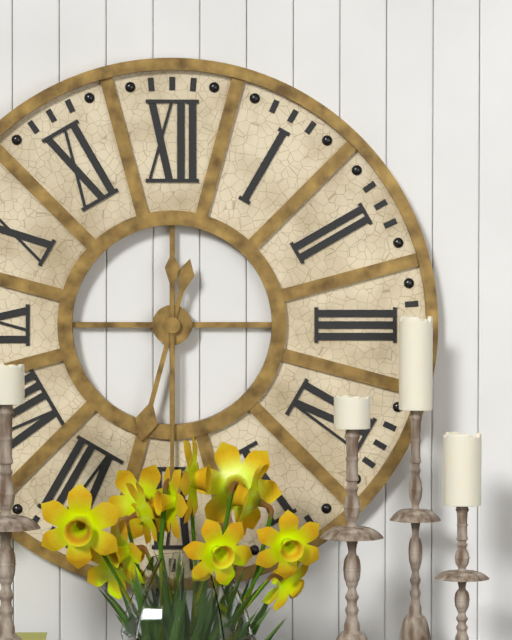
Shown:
6.30
